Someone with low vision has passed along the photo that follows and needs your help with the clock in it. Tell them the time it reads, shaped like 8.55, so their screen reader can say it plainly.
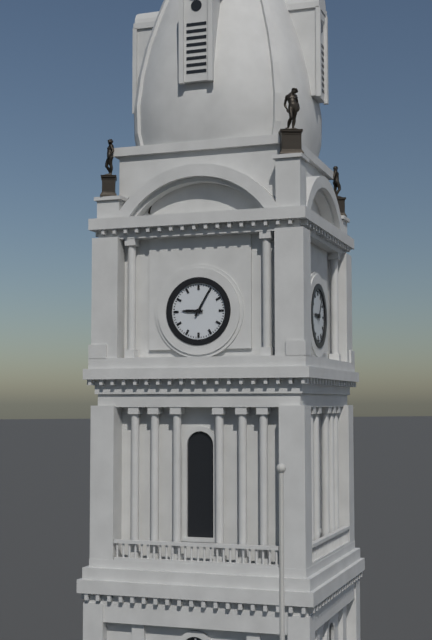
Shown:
9.05
